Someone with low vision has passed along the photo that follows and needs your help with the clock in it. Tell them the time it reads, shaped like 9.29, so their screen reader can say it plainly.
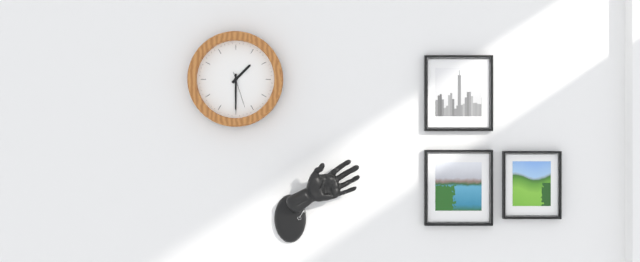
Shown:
1.30
